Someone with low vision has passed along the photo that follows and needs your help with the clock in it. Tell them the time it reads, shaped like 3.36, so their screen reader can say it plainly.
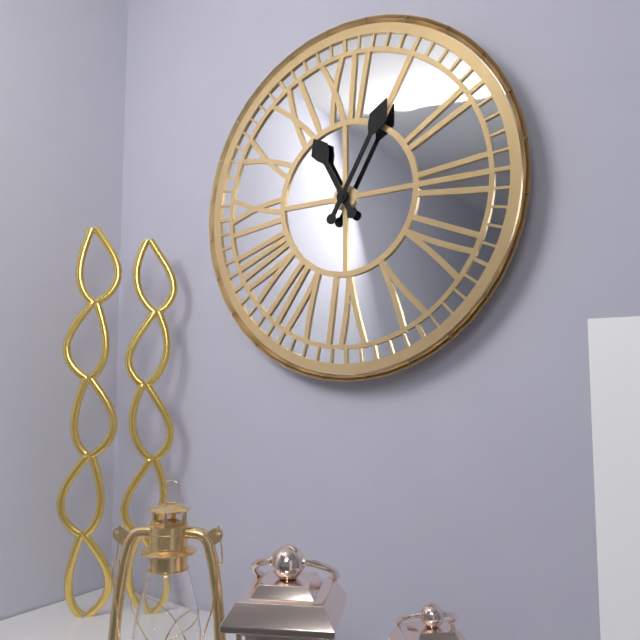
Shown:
11.05
